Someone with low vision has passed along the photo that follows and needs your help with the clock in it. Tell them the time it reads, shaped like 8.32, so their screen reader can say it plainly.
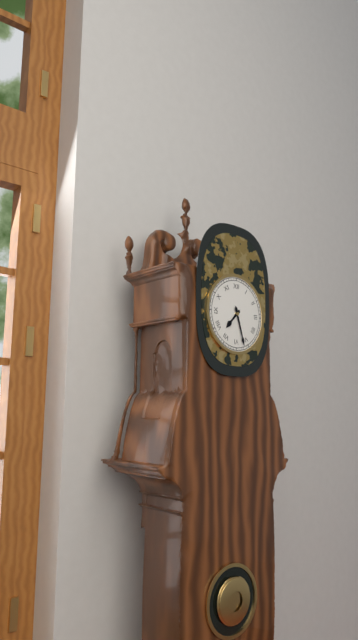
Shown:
7.27
